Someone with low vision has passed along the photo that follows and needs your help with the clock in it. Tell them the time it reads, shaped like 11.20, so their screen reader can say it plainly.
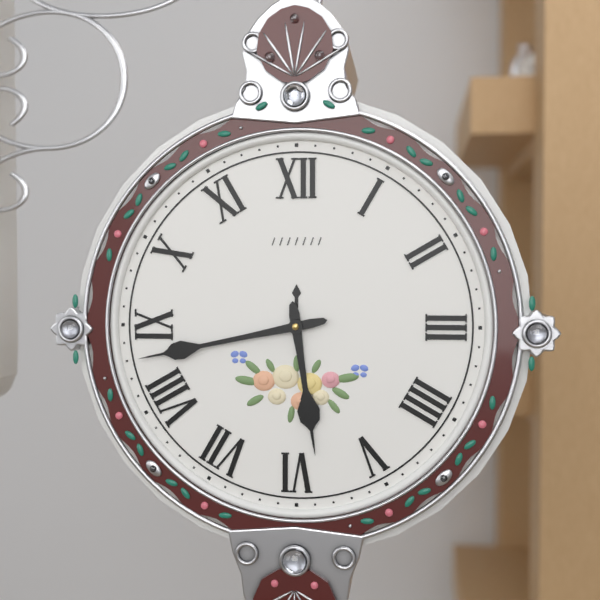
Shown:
5.43
